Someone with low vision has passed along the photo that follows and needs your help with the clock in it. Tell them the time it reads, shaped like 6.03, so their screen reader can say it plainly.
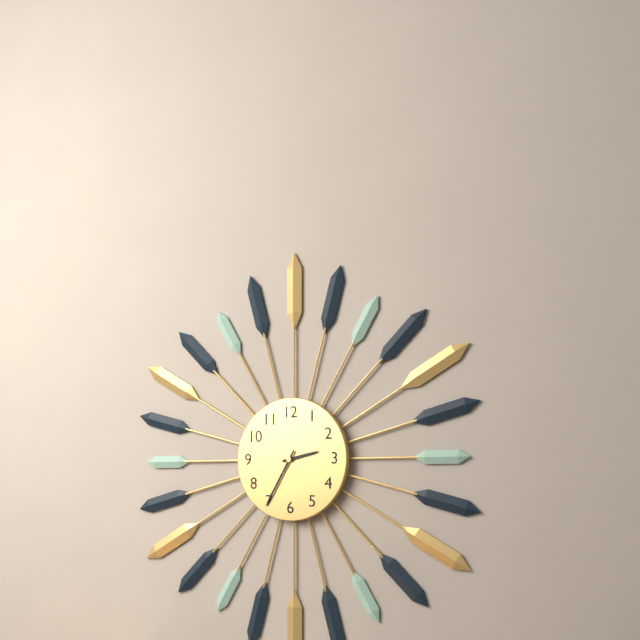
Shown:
2.35
